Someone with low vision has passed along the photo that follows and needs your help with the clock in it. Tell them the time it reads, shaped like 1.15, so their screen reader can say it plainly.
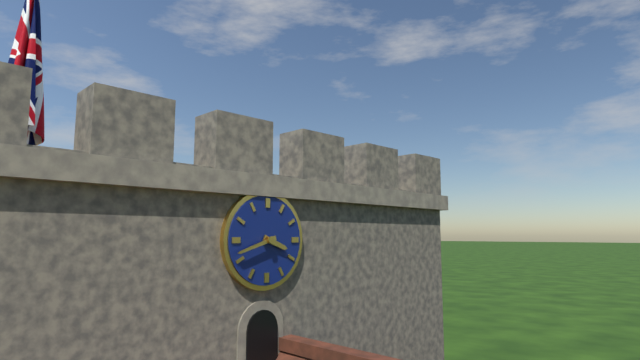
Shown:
3.42
